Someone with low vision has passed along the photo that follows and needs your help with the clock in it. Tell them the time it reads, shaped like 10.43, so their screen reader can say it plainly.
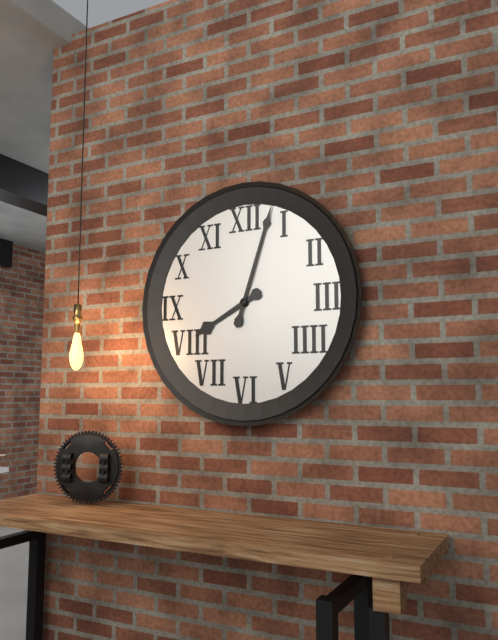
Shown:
8.03
